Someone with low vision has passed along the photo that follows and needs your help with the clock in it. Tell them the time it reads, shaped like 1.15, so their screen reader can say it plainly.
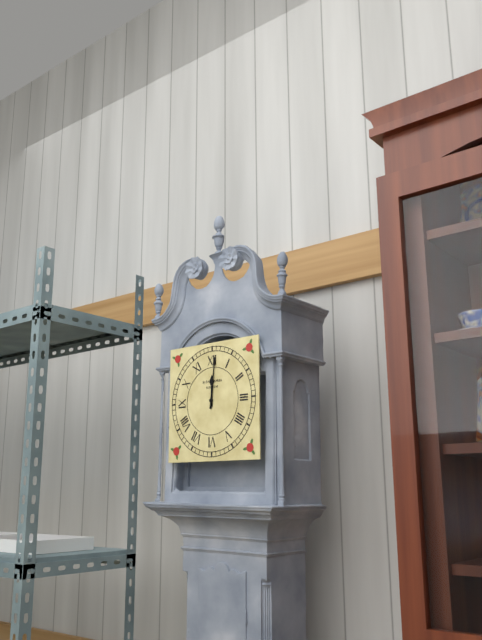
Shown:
12.01
